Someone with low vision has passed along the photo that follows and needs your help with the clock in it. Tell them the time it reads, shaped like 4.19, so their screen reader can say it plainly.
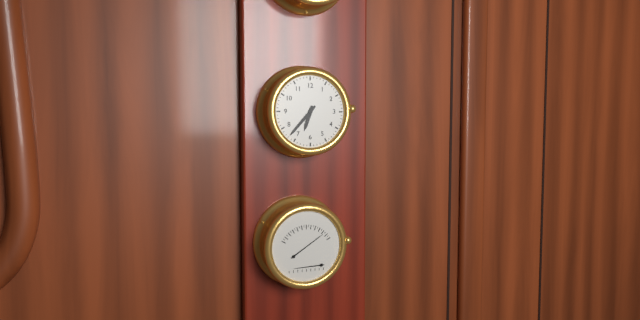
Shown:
6.37
